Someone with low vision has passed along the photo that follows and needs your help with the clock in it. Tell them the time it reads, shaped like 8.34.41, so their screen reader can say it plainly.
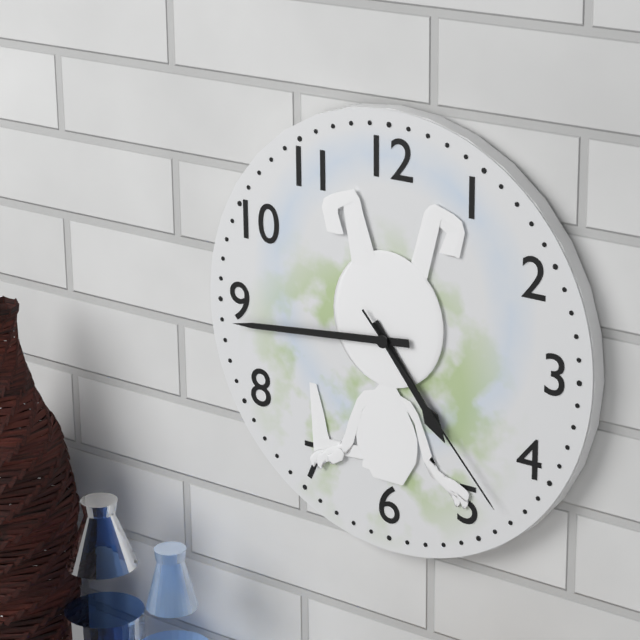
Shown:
4.44.23
